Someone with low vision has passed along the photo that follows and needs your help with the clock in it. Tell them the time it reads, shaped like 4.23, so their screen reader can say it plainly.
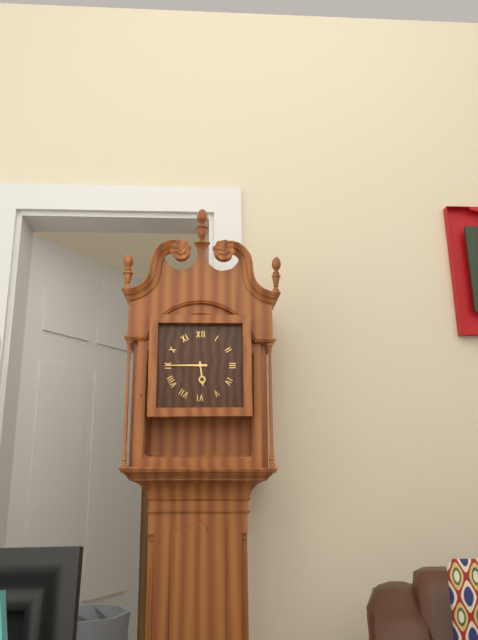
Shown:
5.45
